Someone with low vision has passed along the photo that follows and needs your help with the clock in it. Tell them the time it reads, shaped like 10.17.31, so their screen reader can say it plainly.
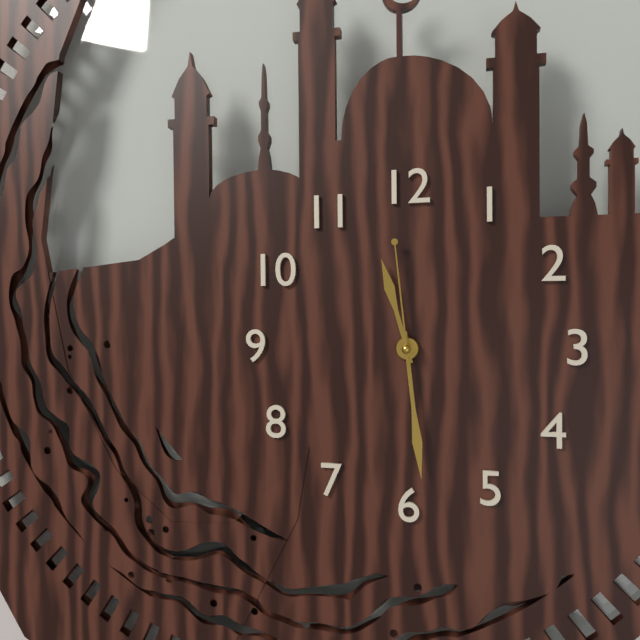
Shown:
11.29.59
